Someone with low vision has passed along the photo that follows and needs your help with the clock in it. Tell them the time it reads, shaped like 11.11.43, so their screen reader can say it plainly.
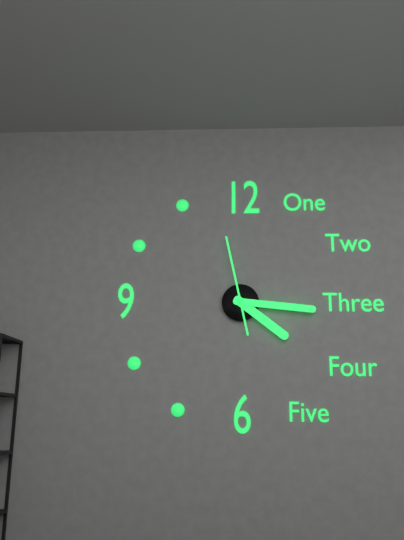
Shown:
4.16.58
